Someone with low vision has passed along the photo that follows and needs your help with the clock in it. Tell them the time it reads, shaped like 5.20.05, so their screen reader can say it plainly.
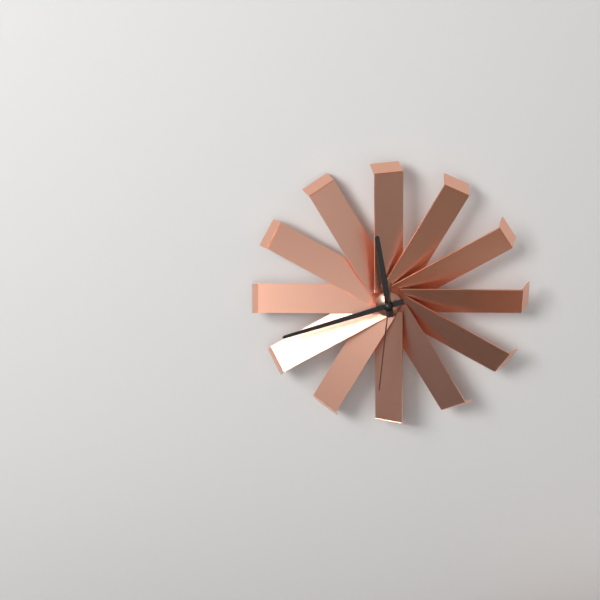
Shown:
11.42.31
